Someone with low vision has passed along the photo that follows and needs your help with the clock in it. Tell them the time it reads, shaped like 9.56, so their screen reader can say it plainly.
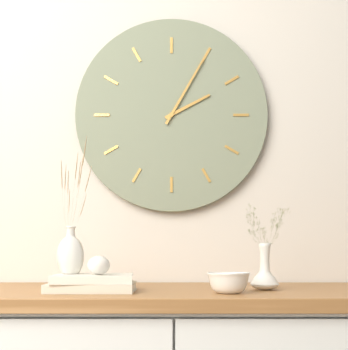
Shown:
2.05
